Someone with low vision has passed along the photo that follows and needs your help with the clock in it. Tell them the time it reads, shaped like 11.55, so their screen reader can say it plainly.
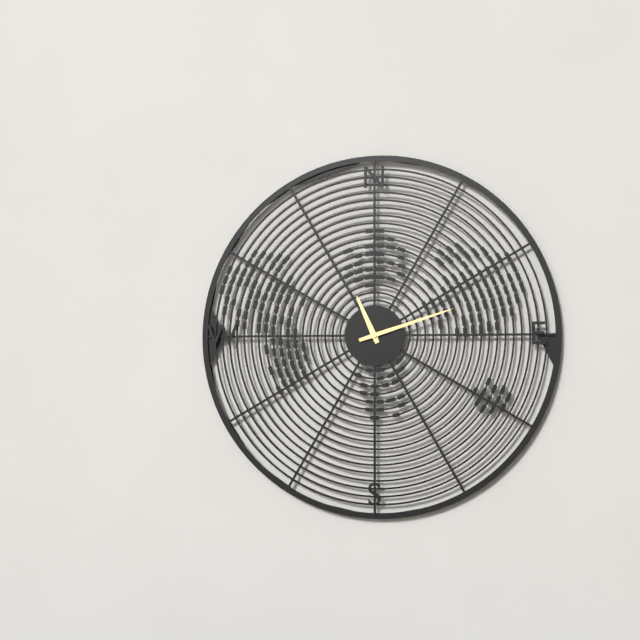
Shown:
11.12
